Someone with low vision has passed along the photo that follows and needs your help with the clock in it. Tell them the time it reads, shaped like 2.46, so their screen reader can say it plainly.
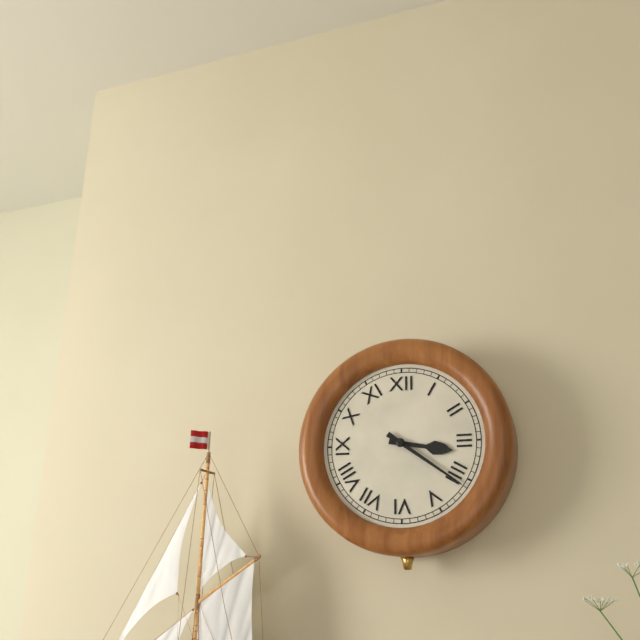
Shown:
3.21
